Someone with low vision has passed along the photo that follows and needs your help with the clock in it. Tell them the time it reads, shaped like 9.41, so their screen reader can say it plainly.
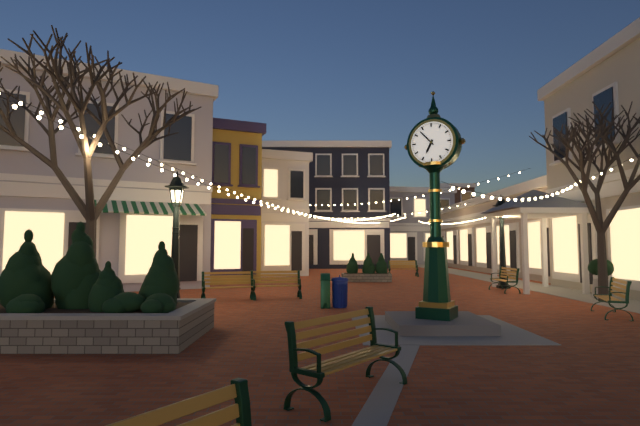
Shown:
6.53
